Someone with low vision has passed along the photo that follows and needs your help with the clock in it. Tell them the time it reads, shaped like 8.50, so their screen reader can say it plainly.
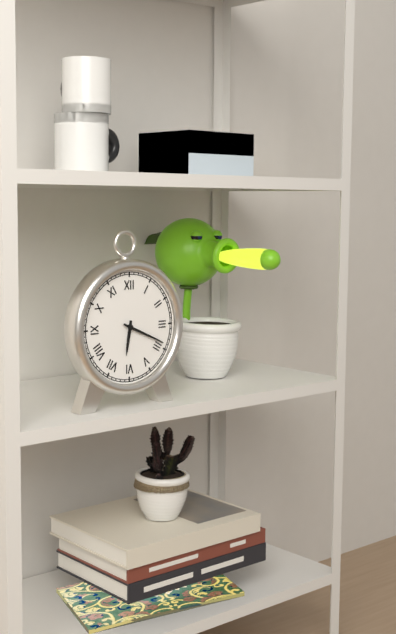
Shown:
6.19
